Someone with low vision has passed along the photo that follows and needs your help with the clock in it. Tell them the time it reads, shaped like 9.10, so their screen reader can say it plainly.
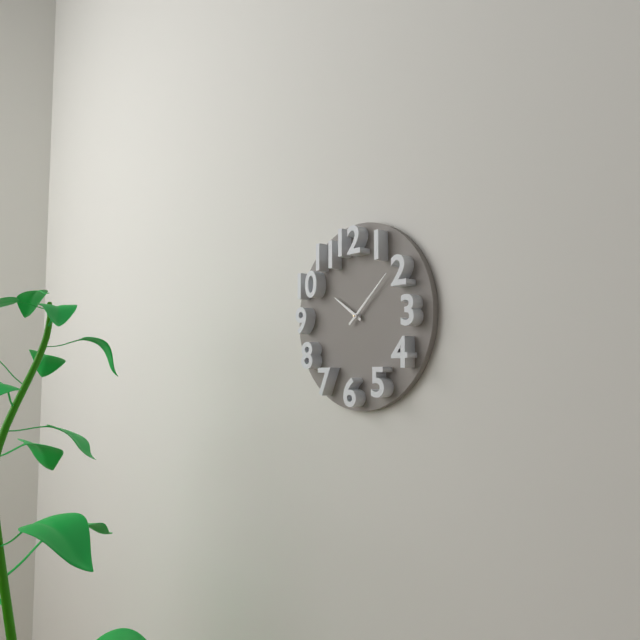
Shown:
10.08
